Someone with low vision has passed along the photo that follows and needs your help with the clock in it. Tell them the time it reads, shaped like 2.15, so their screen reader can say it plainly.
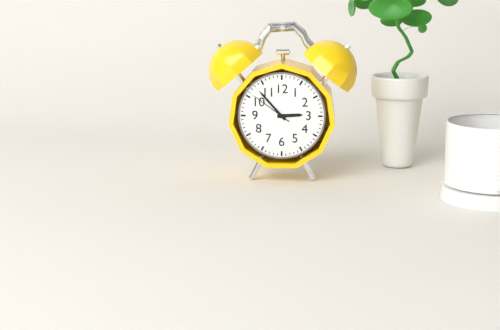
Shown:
2.53
